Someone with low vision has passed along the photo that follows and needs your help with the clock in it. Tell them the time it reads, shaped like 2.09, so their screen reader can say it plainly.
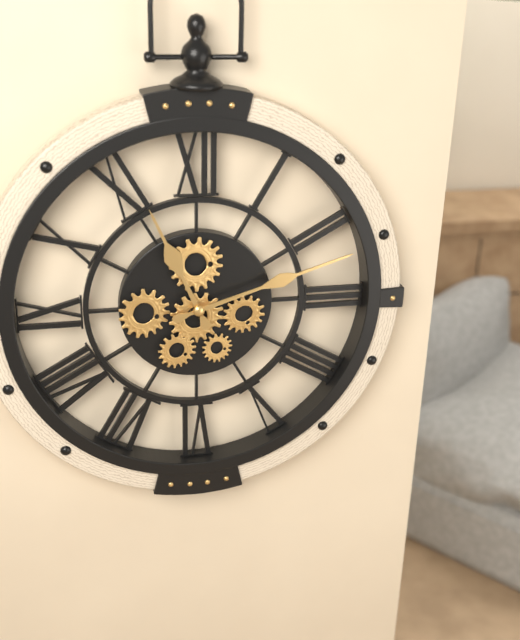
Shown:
11.12
